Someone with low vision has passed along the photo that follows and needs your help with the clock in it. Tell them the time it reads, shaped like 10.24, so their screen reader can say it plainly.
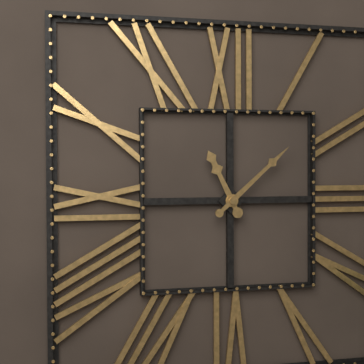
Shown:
11.08
